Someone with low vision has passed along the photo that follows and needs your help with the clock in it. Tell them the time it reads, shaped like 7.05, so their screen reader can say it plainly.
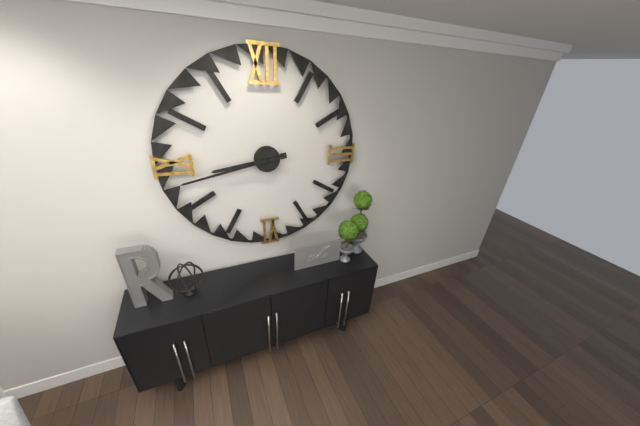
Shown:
8.43
